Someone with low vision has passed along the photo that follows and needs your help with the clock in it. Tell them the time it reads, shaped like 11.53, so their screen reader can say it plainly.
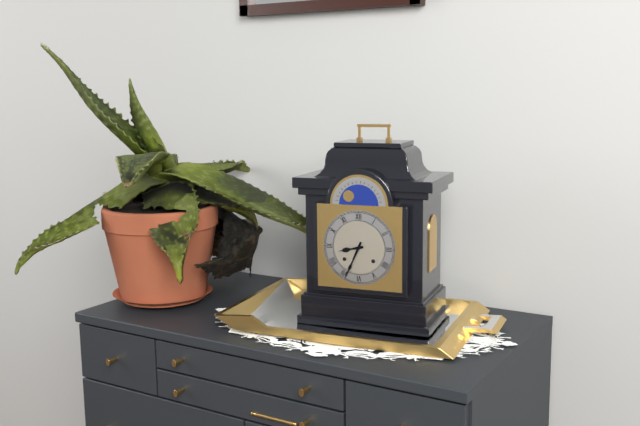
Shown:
8.34
